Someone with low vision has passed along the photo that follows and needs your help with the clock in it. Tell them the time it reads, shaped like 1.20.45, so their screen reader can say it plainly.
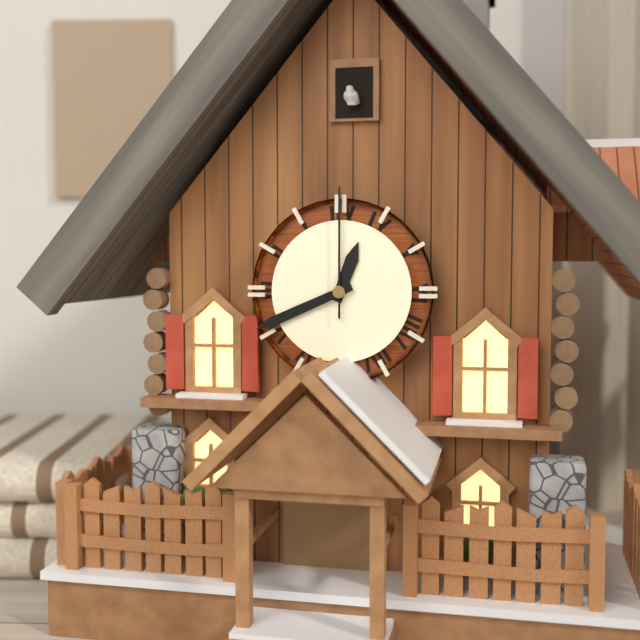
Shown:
12.41.00
